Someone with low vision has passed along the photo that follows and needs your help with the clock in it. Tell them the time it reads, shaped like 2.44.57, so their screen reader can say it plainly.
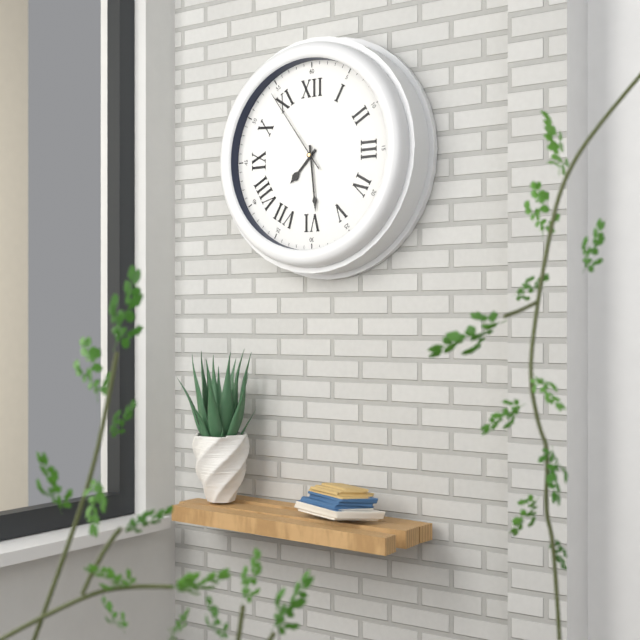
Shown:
7.29.54
